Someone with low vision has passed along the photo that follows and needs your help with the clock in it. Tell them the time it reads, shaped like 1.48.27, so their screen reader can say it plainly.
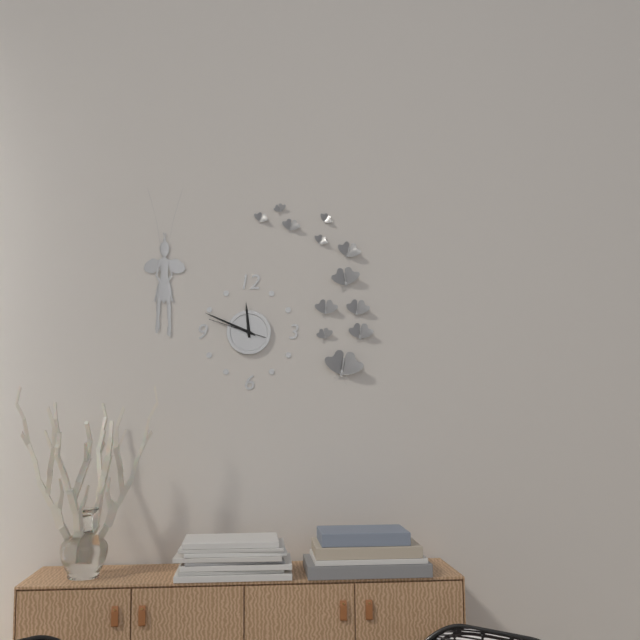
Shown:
11.49.48
